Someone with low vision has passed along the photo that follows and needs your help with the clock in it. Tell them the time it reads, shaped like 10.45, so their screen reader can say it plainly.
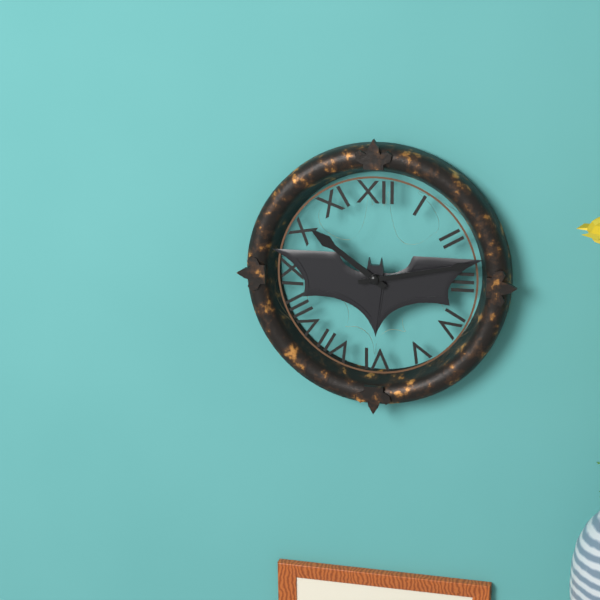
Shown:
10.13
